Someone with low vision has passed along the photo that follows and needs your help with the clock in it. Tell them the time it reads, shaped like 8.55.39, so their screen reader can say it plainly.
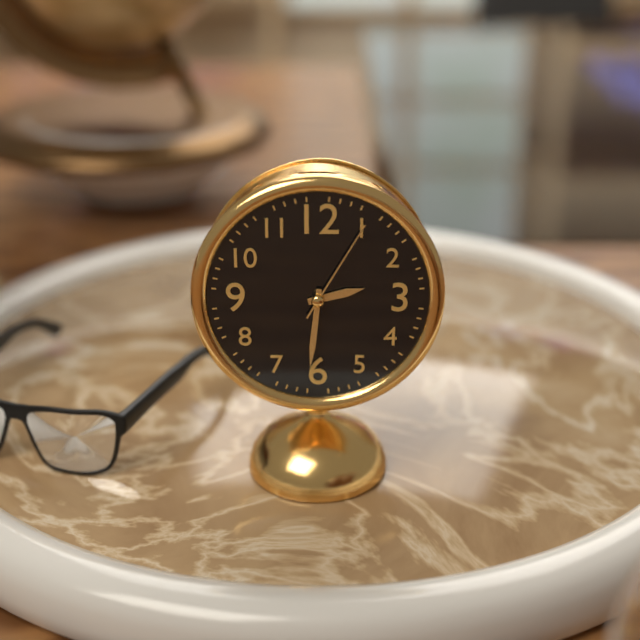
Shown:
2.31.05
